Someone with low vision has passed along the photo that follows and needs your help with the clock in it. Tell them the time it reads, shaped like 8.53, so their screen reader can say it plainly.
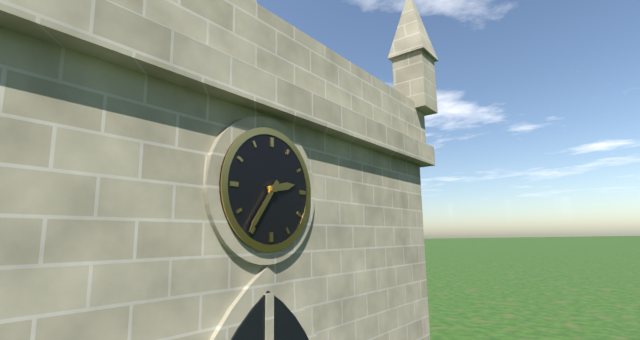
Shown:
2.36
